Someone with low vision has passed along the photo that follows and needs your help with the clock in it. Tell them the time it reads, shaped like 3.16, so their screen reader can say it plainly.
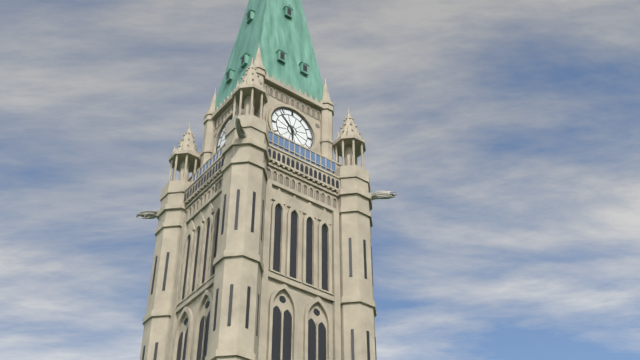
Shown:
5.53
